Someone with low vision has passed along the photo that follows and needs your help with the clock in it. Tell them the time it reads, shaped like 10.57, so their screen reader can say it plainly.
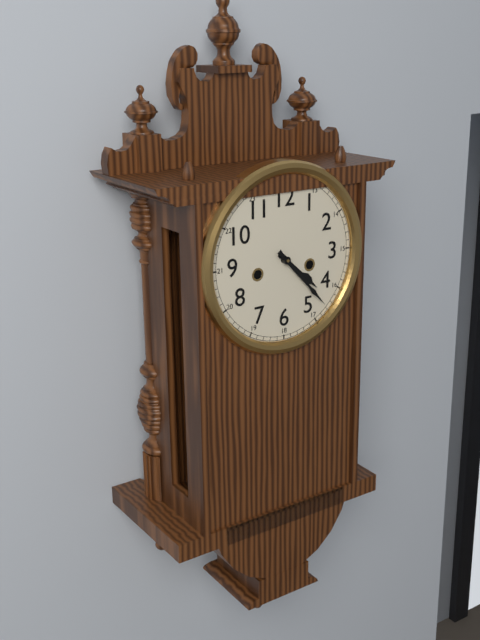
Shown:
4.23
